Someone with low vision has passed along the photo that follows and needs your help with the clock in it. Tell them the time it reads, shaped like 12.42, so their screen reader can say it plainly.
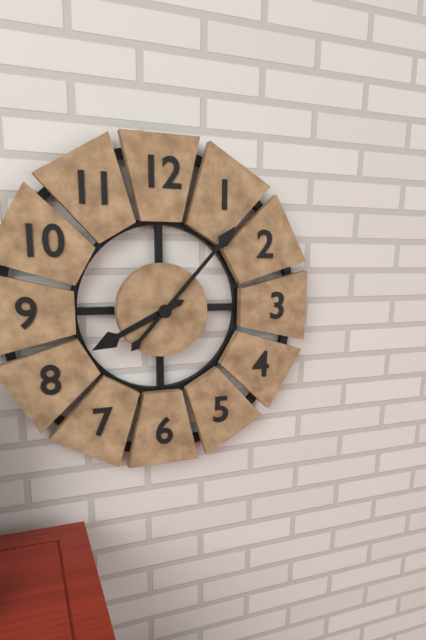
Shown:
8.07
